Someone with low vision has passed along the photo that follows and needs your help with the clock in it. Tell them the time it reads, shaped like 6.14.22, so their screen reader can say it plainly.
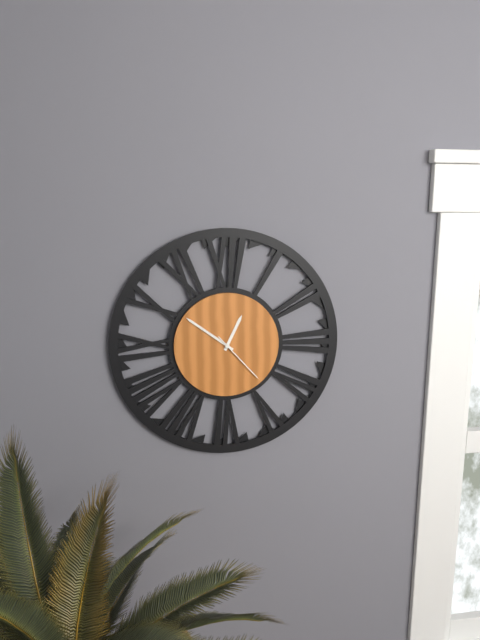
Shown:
12.51.23
